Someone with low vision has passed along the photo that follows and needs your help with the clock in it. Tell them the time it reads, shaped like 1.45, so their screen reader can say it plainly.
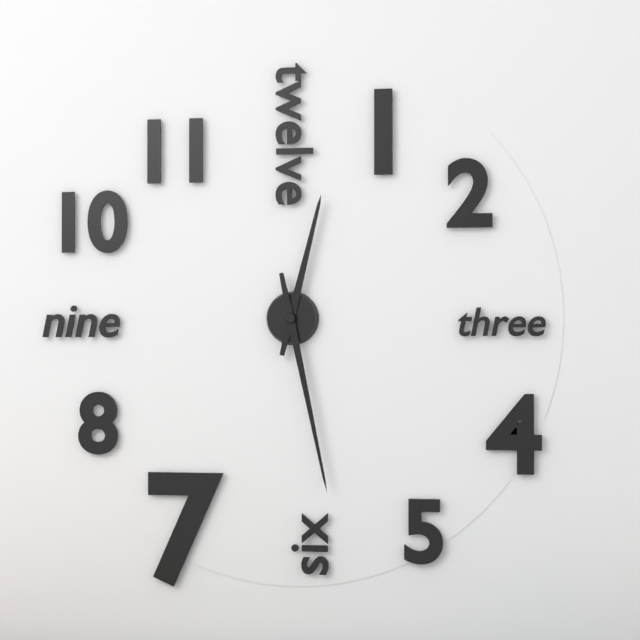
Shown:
12.28
